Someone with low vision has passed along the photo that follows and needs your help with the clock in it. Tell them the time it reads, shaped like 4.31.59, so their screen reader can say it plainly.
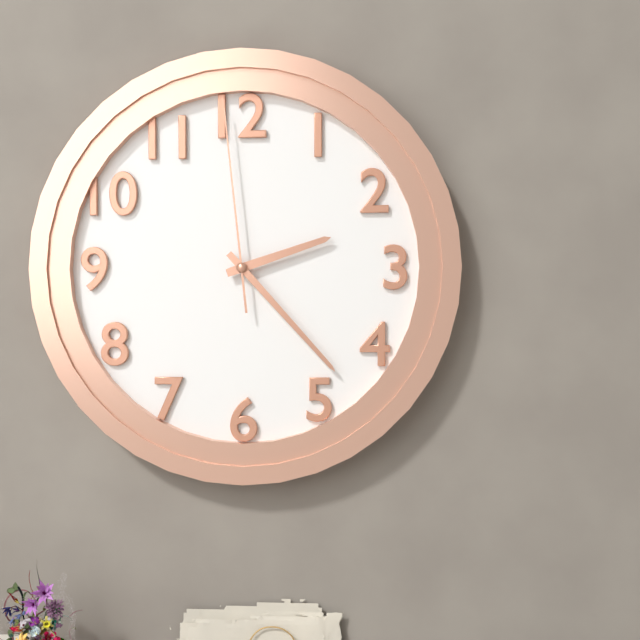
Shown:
2.23.59
